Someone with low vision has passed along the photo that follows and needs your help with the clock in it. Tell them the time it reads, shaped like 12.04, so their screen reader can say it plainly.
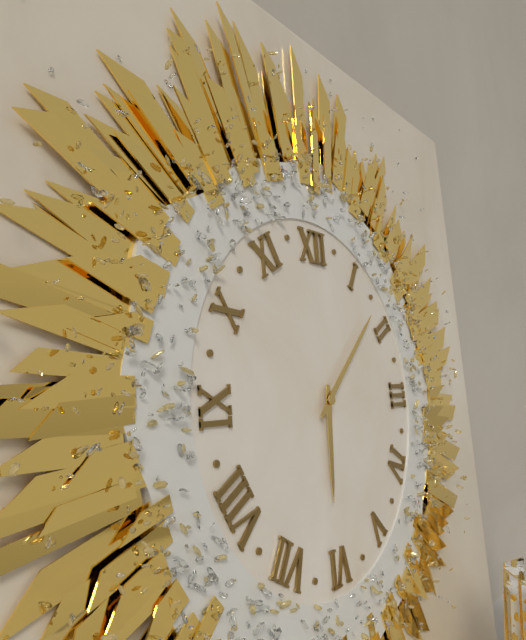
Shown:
6.08
